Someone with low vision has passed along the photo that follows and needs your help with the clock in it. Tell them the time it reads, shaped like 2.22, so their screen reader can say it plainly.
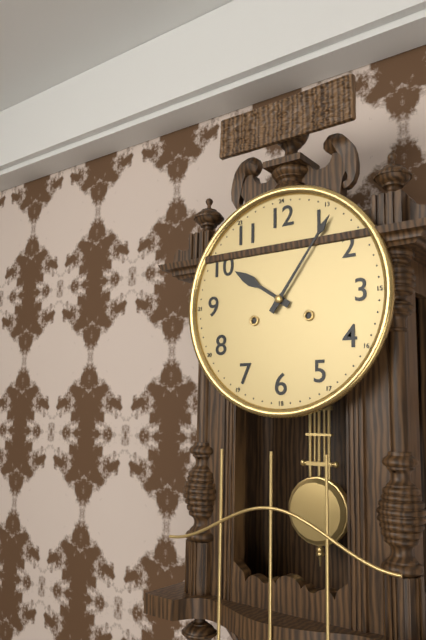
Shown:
10.06
